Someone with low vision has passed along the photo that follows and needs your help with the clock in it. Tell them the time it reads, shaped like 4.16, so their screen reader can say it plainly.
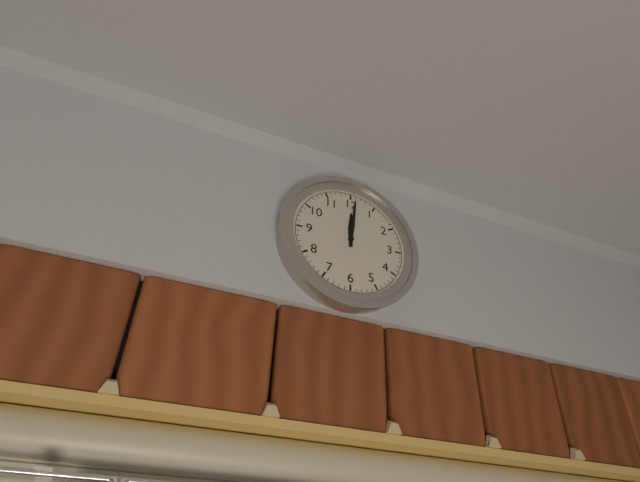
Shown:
12.01
